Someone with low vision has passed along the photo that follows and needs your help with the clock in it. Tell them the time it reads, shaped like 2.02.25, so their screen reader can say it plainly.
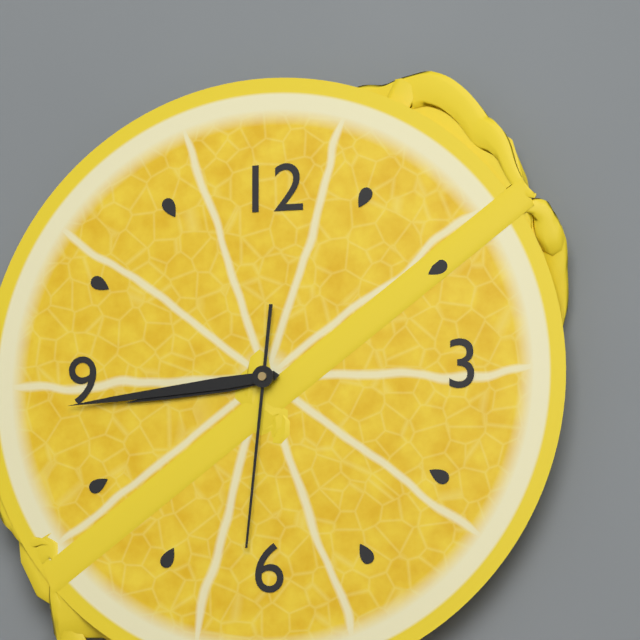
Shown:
8.44.31
